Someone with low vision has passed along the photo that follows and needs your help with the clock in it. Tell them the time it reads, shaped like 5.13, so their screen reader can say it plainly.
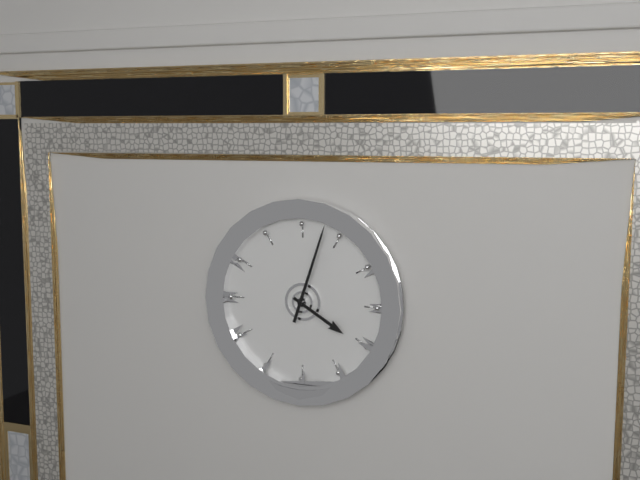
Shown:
4.03
